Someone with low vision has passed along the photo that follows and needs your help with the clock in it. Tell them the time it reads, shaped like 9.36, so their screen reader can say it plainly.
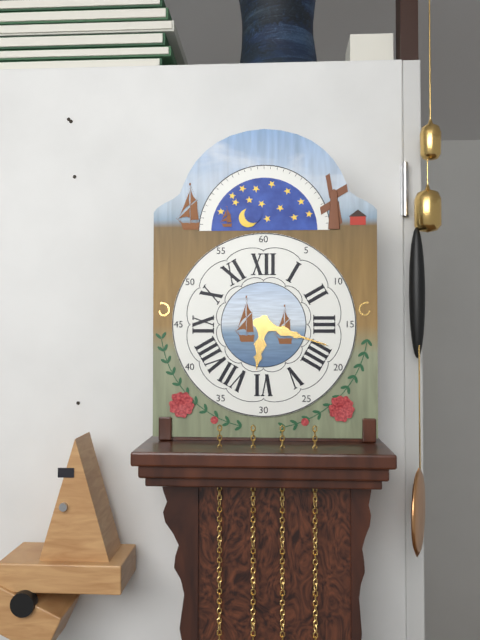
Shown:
6.18
